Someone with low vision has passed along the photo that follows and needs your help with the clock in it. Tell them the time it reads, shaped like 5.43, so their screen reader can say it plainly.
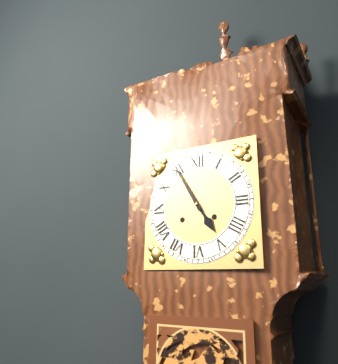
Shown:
4.55
